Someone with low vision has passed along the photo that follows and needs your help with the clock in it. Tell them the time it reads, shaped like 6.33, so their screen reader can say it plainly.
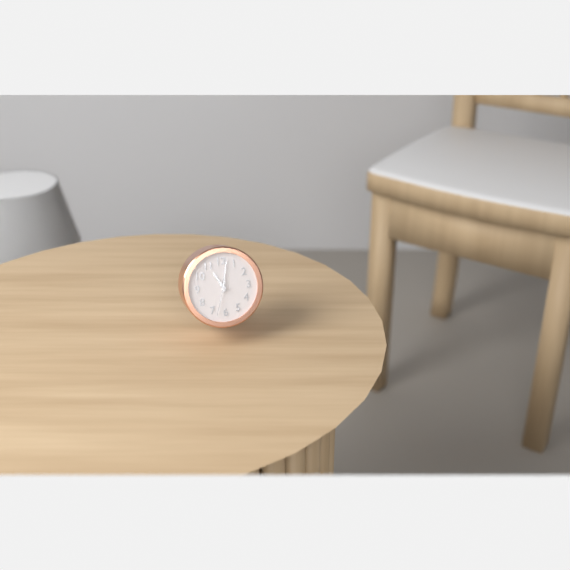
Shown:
11.02
